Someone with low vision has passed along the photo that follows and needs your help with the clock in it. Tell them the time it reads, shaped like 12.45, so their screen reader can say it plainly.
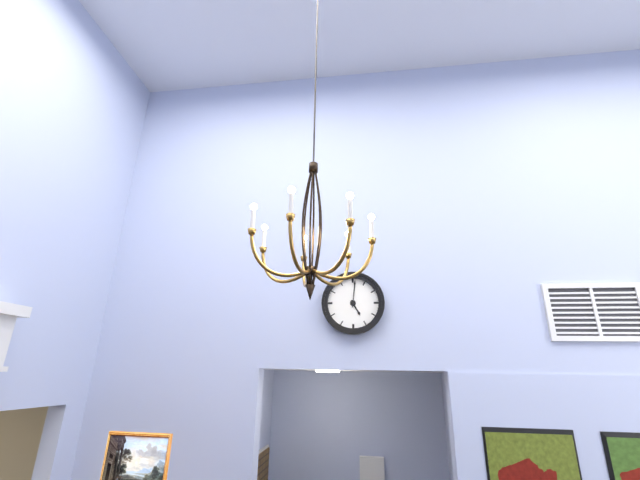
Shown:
5.01
